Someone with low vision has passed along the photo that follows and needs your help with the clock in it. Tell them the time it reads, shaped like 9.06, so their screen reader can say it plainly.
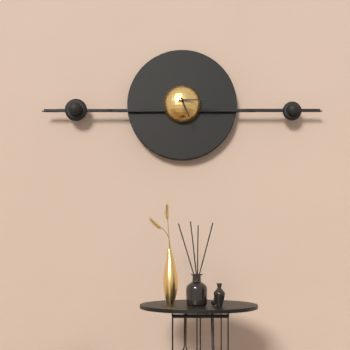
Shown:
5.15
